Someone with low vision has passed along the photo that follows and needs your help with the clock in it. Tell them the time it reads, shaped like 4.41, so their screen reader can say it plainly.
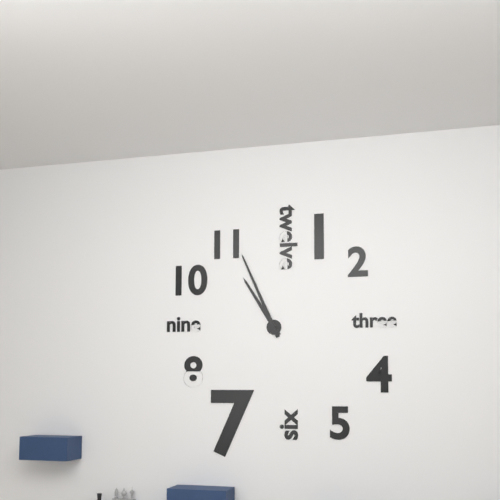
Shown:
10.56
